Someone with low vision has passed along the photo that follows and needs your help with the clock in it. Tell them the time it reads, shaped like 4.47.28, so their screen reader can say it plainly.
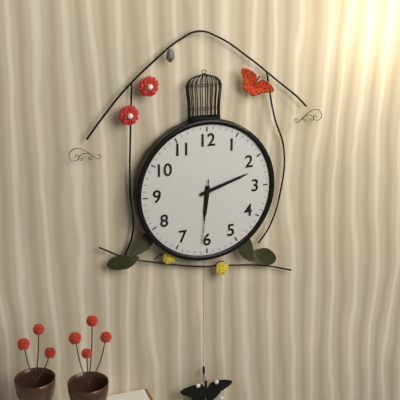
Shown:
6.12.31
